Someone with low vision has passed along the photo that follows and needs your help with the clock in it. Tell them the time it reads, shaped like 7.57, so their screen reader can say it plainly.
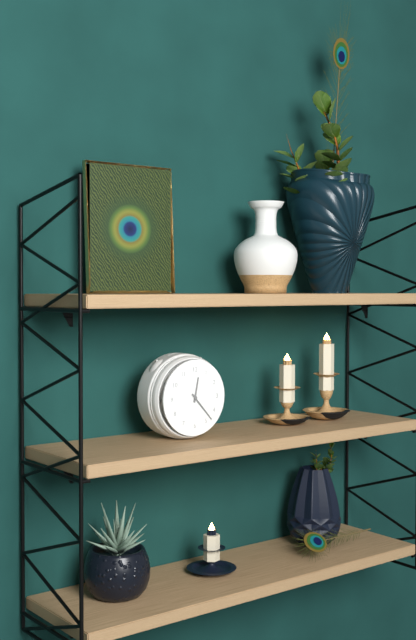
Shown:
12.23
